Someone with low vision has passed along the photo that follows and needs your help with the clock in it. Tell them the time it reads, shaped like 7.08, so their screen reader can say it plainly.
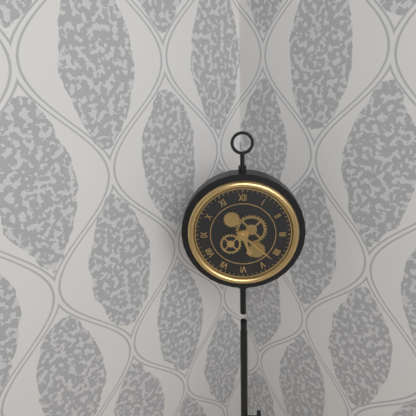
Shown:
5.22
